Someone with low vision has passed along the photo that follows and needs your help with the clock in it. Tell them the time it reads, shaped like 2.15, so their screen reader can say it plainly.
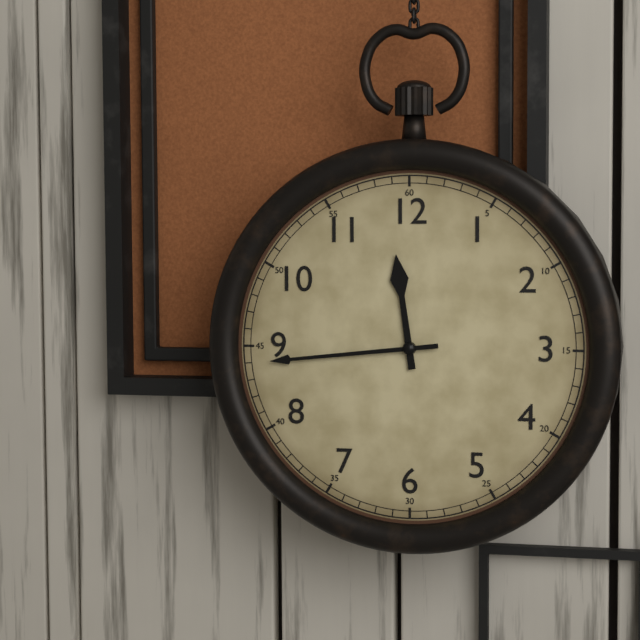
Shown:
11.44
